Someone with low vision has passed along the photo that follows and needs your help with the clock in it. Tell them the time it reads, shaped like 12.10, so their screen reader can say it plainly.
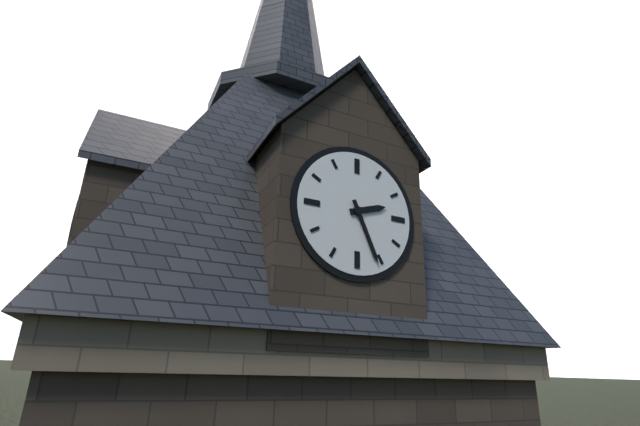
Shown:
2.26
